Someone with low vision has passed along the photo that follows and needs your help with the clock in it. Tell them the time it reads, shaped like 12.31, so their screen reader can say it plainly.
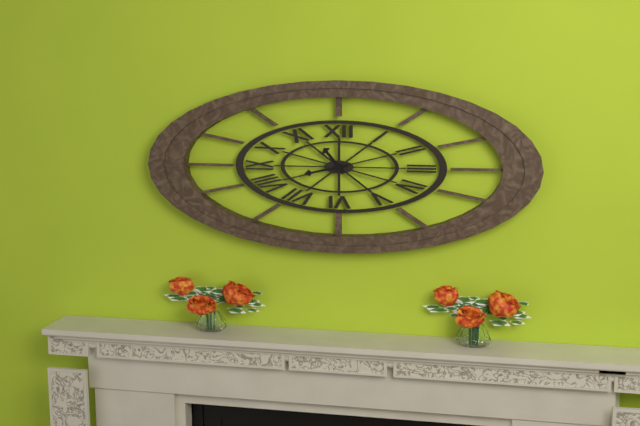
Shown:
10.43
